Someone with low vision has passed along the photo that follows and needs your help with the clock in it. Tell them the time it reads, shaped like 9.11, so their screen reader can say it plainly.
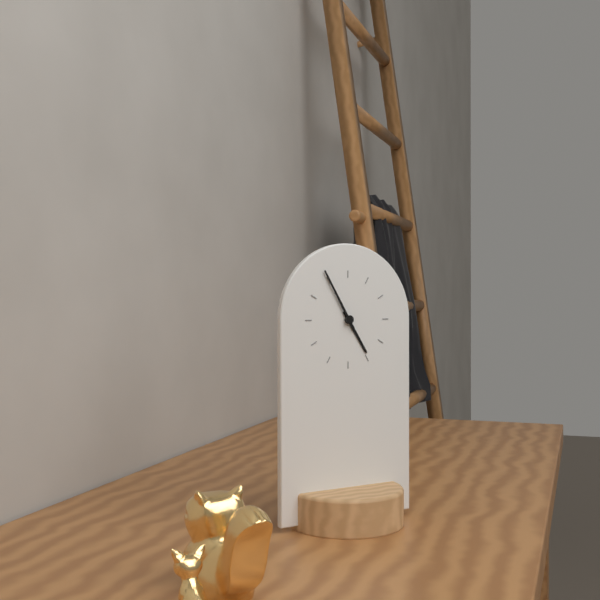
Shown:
4.55
